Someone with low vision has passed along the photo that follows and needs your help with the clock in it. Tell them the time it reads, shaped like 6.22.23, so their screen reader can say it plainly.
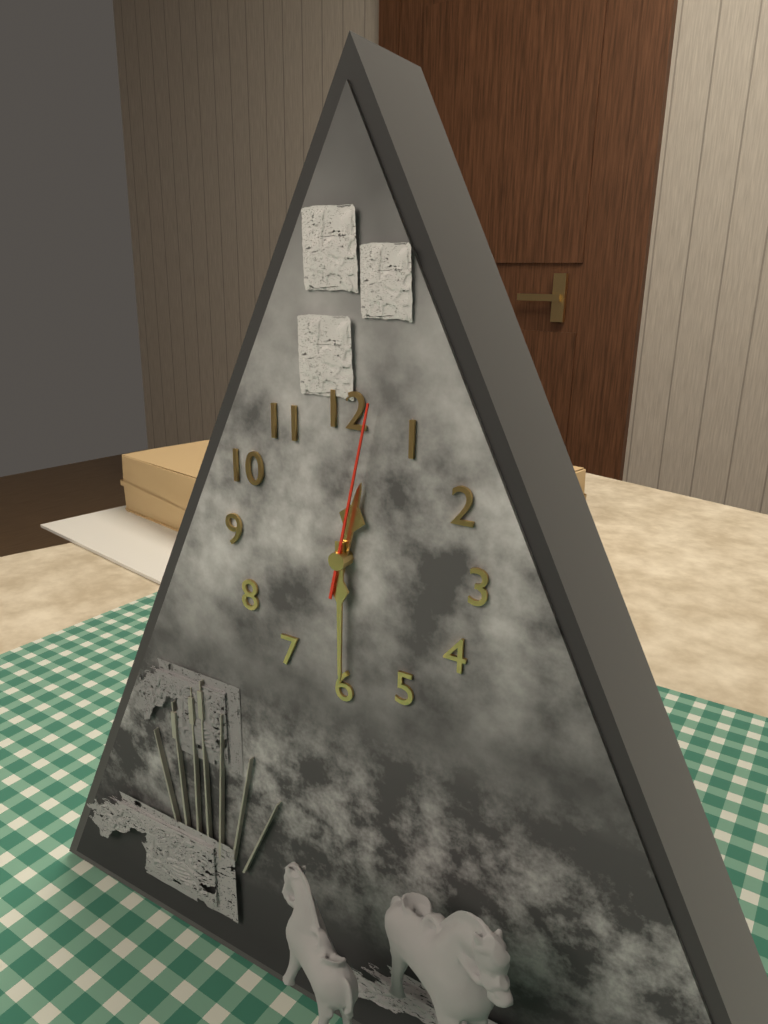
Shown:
12.30.02
